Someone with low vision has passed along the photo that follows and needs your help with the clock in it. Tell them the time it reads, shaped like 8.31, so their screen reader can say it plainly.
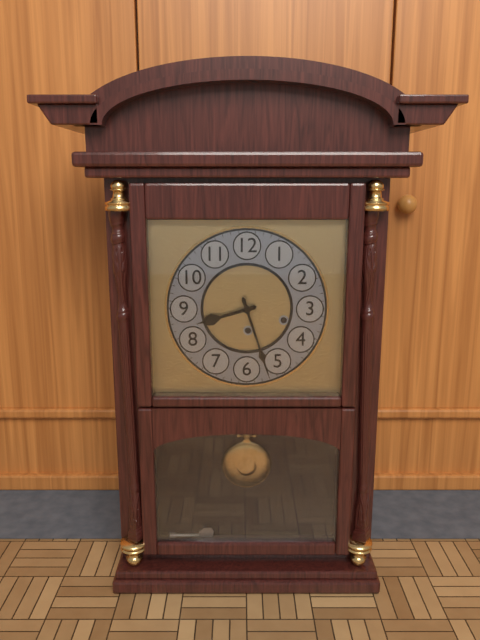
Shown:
8.27
